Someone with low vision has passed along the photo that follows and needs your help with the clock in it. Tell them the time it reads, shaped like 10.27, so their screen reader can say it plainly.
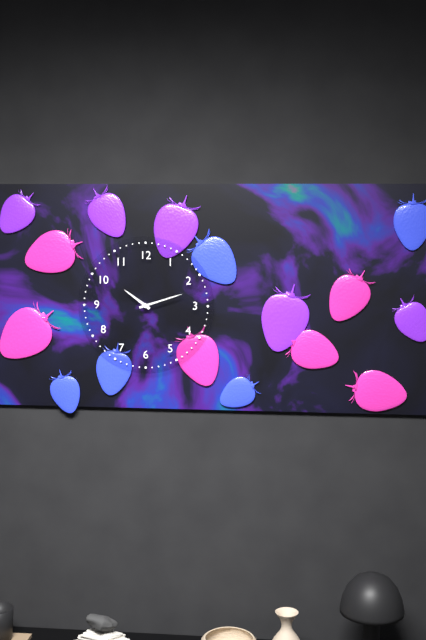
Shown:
10.12
